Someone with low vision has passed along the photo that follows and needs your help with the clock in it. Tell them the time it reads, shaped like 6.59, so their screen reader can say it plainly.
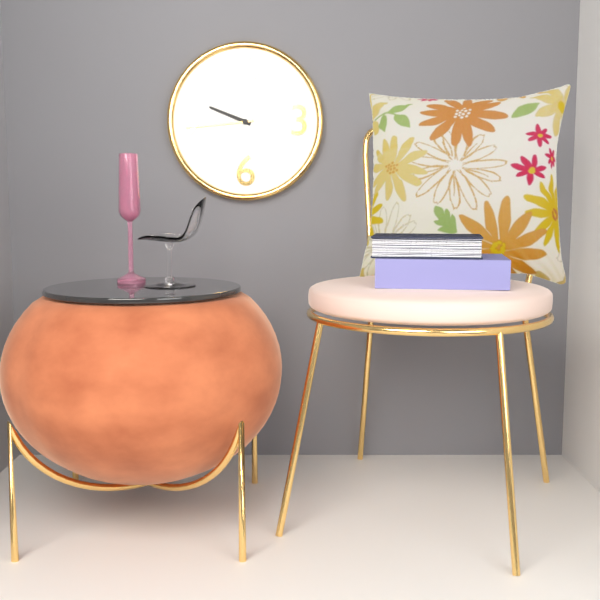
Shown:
9.44
